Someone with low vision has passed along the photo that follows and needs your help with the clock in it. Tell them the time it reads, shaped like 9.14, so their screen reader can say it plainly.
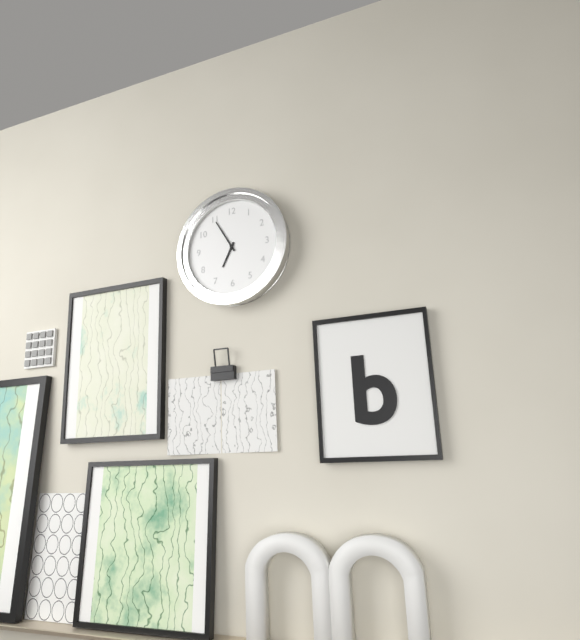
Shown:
6.55
